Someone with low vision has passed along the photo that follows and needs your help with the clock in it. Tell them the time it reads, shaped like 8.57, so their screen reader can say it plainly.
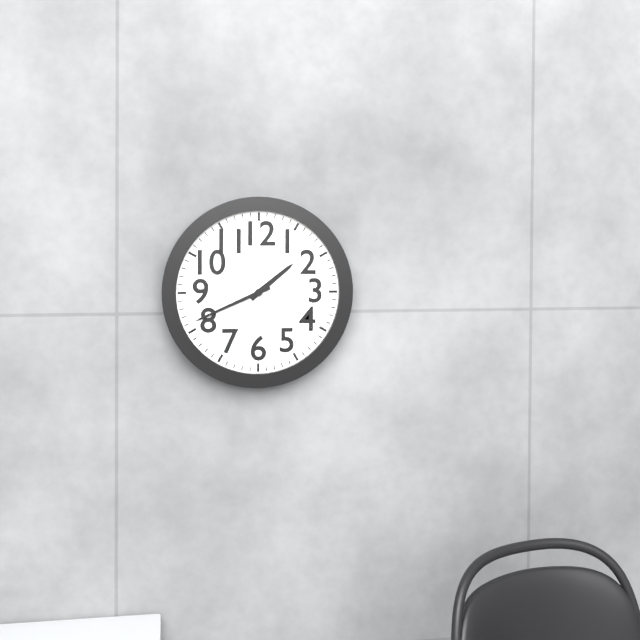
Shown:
1.41
